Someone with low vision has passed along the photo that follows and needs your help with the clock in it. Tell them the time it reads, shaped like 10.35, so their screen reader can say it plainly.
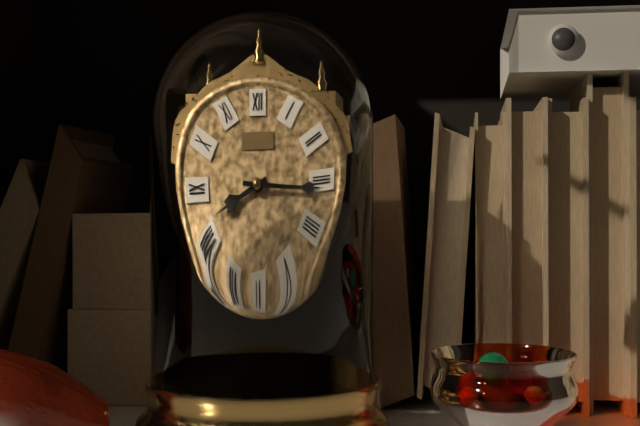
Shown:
8.16
